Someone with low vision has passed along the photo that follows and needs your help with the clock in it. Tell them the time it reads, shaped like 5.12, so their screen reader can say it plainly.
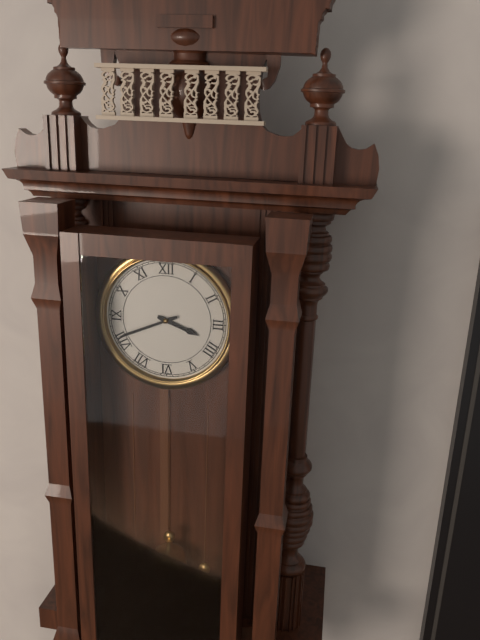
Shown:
3.41
